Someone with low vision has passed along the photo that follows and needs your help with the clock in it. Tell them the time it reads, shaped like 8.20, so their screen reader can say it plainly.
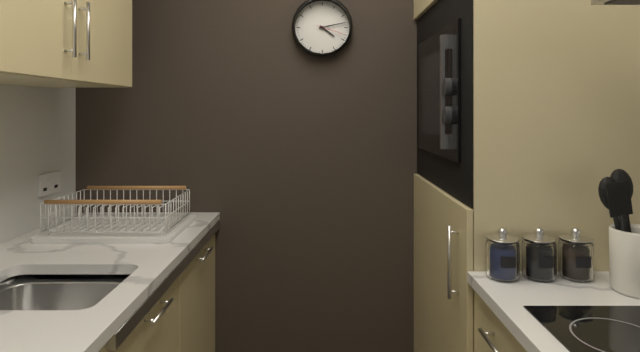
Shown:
4.13
